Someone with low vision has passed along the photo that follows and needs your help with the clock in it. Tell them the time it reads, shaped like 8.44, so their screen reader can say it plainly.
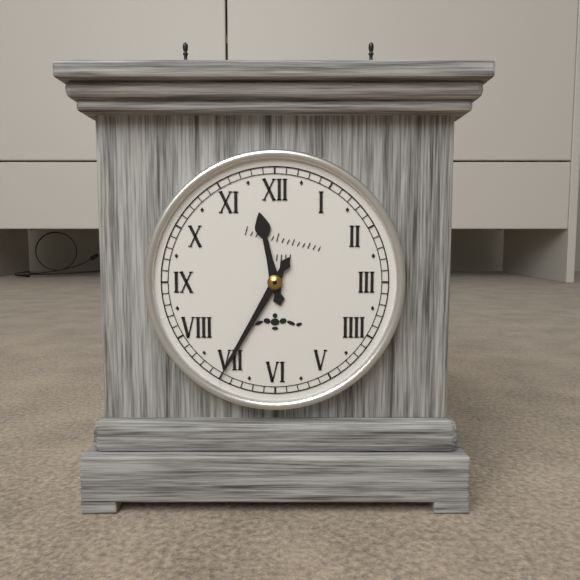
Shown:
11.35
